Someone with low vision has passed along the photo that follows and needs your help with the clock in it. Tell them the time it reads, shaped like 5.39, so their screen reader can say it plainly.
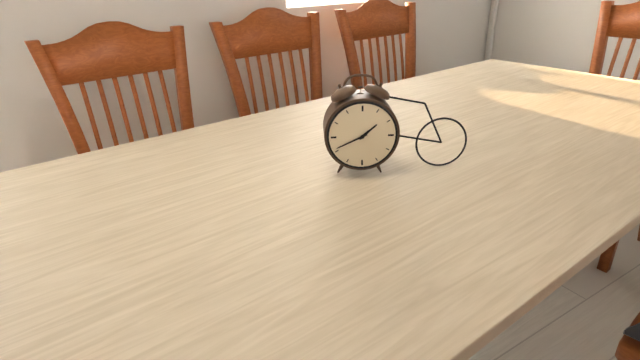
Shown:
1.41
